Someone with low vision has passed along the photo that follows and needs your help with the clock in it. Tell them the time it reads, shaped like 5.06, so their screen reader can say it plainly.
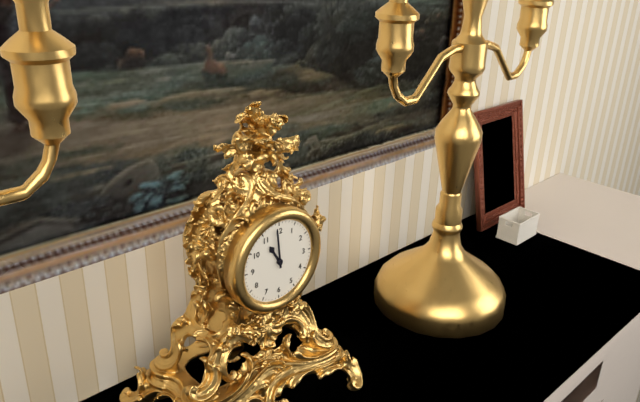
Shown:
10.59
